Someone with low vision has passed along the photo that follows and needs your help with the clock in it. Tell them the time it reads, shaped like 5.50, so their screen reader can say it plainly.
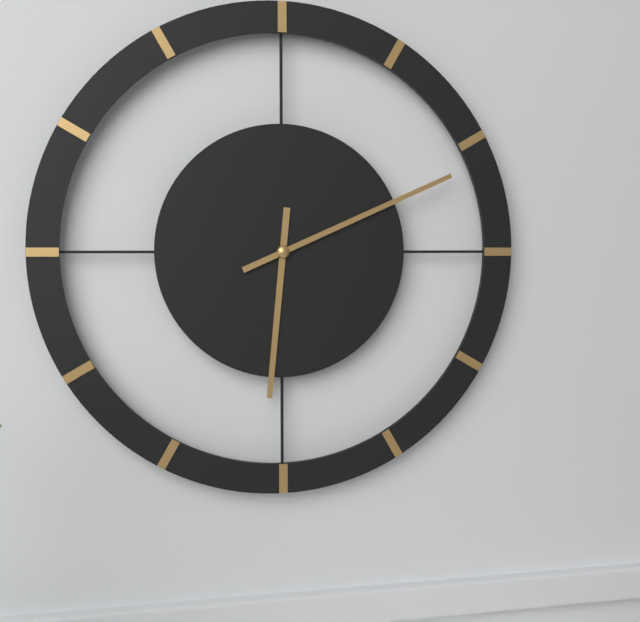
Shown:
6.11
